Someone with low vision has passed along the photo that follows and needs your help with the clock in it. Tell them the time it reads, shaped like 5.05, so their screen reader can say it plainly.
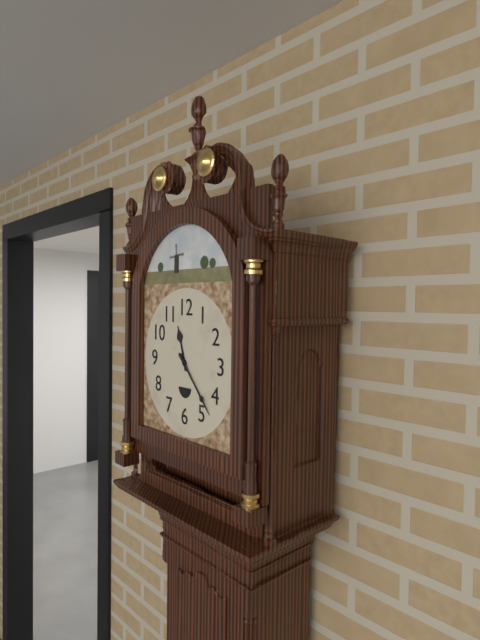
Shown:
11.23
